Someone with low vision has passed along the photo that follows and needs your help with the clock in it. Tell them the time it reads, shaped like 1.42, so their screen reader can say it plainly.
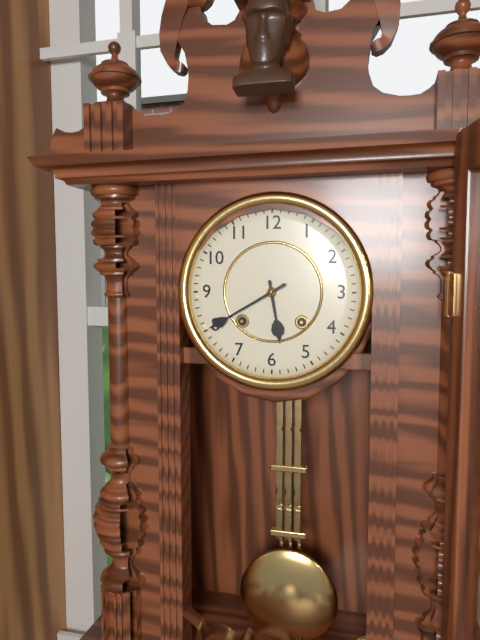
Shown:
5.40
